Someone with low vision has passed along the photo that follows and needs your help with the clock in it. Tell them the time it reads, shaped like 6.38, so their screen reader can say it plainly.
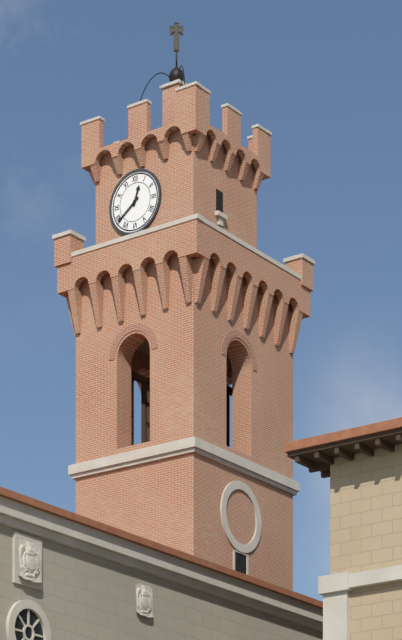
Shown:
12.39
